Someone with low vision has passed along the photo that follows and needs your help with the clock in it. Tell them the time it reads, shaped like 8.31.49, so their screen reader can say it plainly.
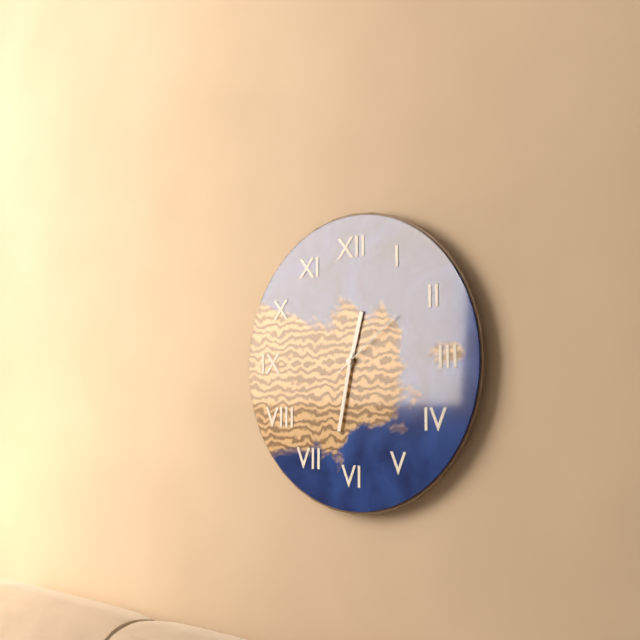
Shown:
12.32.09
